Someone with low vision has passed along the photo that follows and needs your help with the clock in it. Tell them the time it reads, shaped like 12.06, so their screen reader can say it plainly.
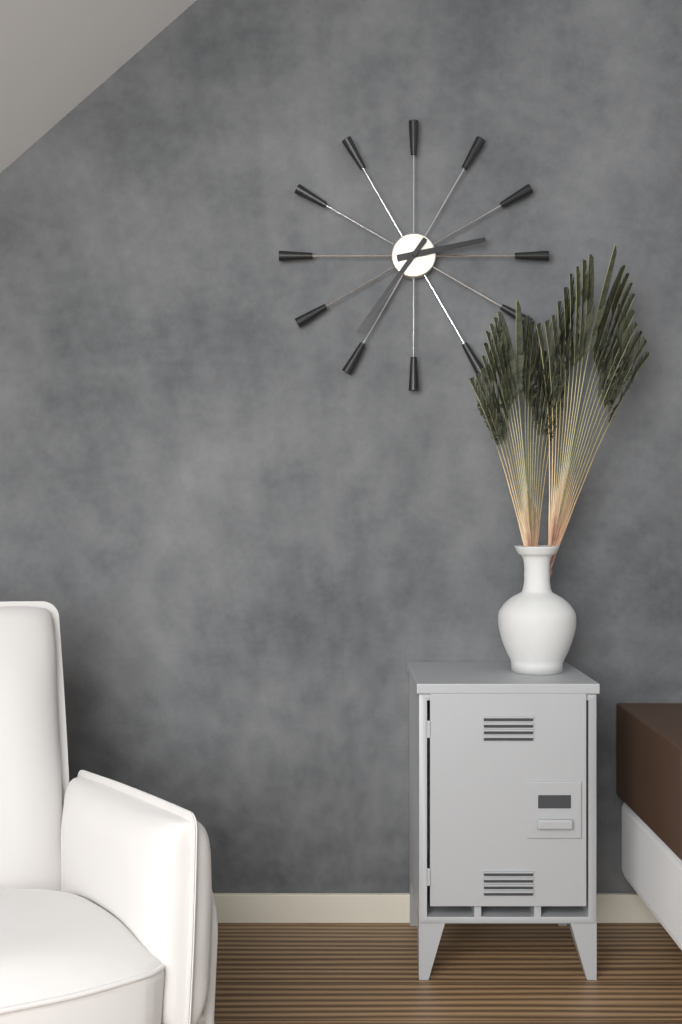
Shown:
2.36
